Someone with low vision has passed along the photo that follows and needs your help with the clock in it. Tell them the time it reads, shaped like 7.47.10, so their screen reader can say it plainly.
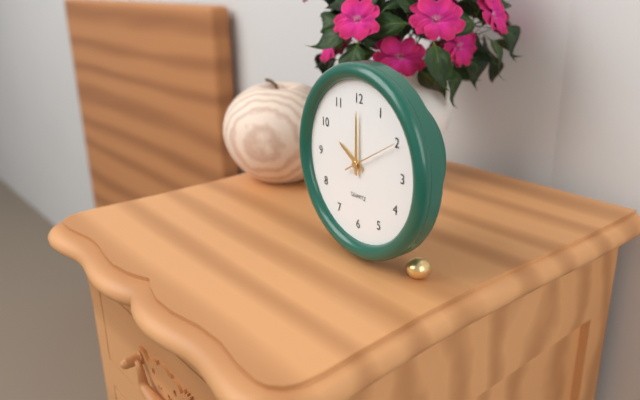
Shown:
10.00.10
